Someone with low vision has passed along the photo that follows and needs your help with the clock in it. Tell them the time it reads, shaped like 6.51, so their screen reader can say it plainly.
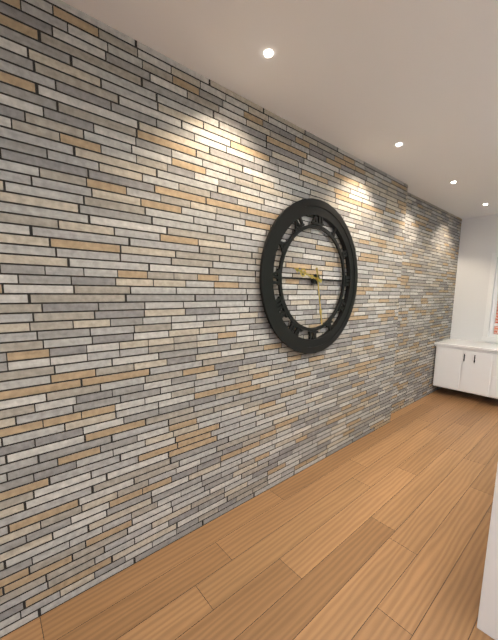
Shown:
9.28
